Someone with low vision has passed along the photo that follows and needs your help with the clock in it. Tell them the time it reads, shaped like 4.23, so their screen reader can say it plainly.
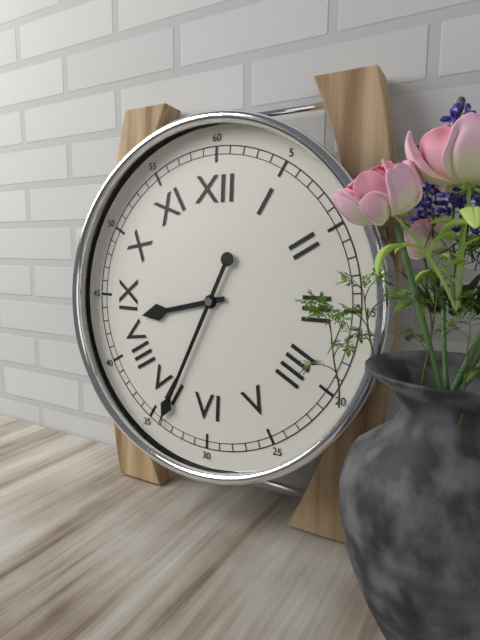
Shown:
8.34
